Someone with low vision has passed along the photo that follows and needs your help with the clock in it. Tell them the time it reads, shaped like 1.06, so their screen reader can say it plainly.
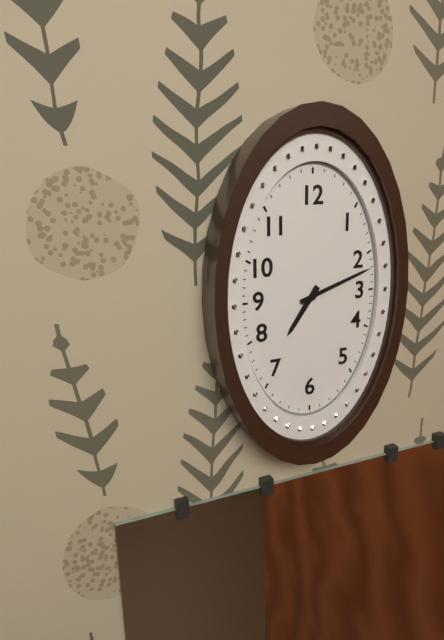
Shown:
7.12
